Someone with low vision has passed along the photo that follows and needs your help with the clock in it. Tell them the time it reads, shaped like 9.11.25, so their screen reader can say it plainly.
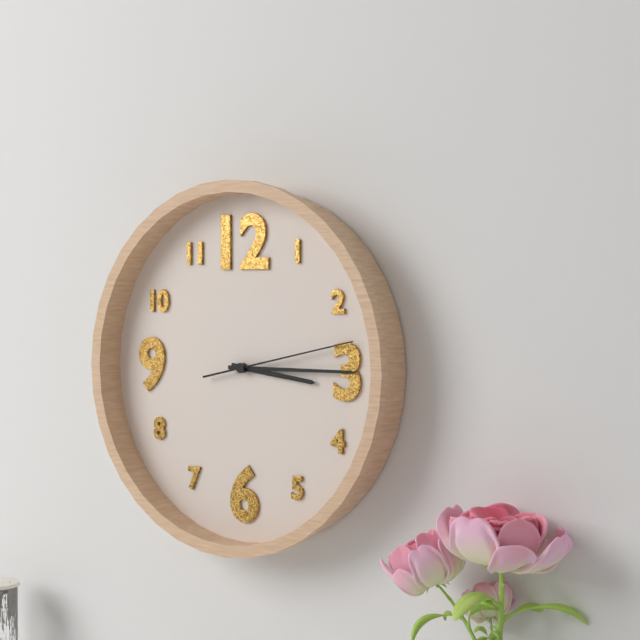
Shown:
3.15.13
